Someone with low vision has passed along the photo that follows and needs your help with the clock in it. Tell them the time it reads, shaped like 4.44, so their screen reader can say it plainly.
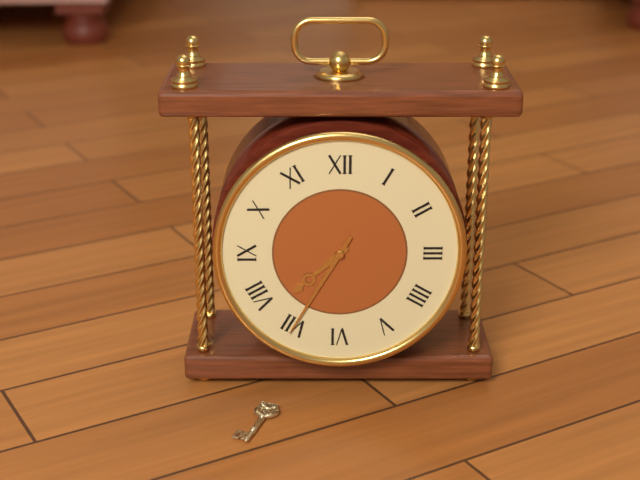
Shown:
7.35
